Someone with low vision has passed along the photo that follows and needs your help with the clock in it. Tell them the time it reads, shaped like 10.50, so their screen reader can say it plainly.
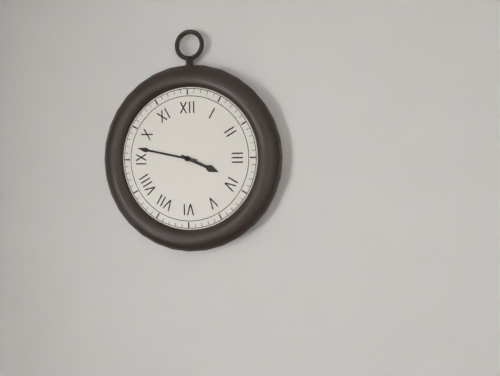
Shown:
3.47
